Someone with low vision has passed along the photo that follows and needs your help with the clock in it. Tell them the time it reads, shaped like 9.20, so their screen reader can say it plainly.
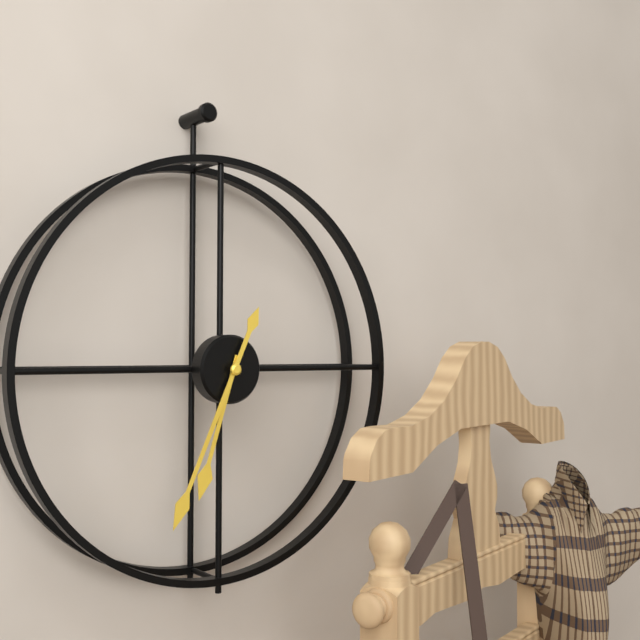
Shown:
6.34
